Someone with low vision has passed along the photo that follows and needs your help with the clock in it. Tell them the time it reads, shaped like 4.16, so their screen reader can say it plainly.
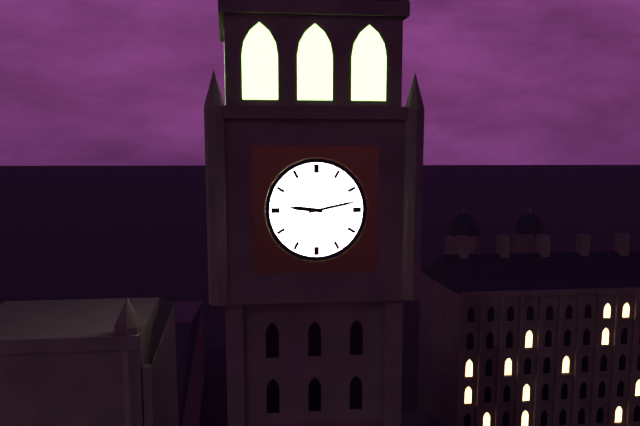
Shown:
9.13
